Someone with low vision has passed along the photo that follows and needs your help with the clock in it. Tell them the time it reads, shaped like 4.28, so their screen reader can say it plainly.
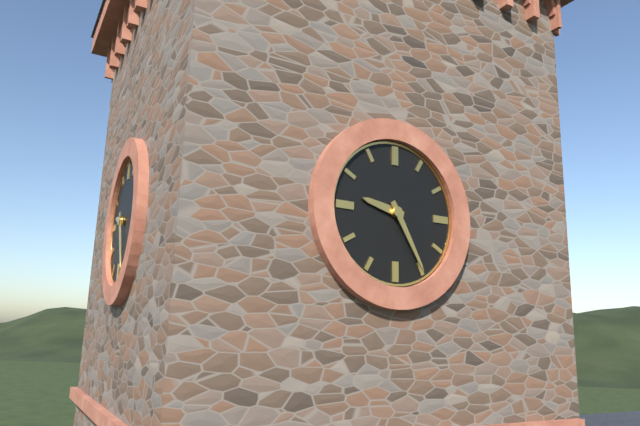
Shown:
9.25
